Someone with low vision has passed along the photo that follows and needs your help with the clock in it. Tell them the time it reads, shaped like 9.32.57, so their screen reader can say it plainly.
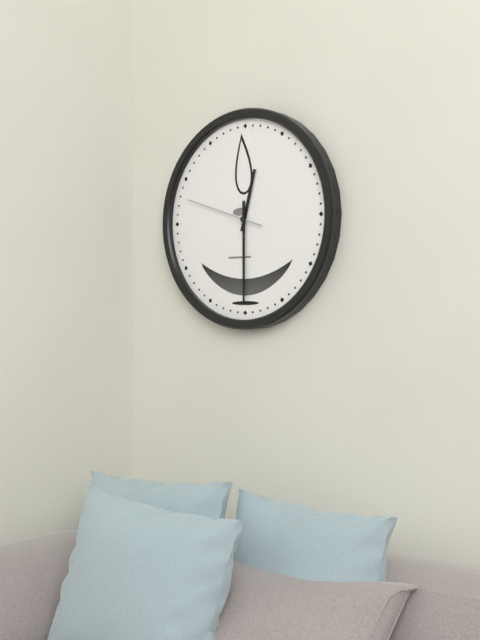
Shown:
12.30.48
